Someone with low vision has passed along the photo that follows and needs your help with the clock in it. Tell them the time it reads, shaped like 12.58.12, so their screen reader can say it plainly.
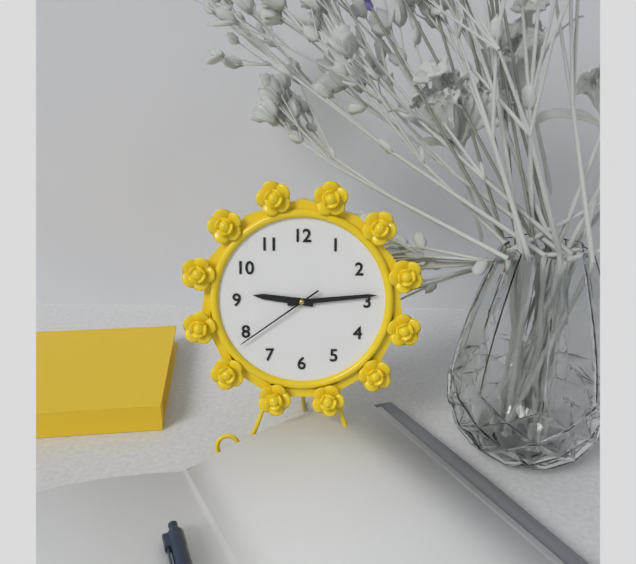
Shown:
9.14.39
